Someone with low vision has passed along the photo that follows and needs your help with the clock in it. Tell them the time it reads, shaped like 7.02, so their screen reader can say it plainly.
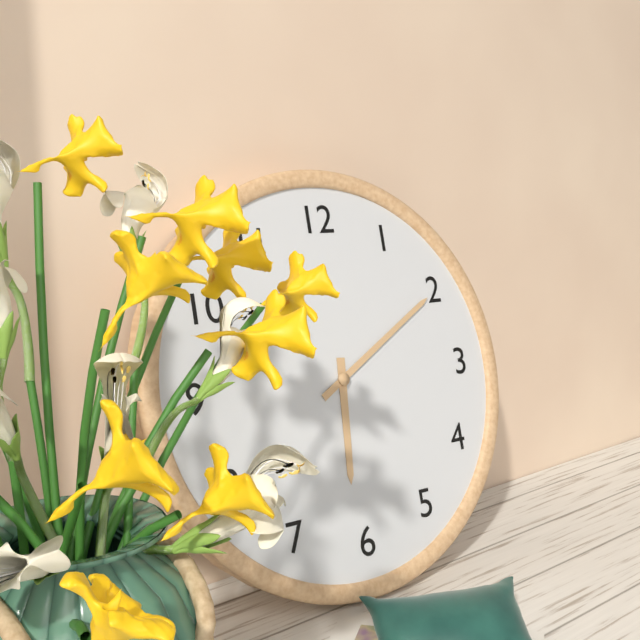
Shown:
6.10
